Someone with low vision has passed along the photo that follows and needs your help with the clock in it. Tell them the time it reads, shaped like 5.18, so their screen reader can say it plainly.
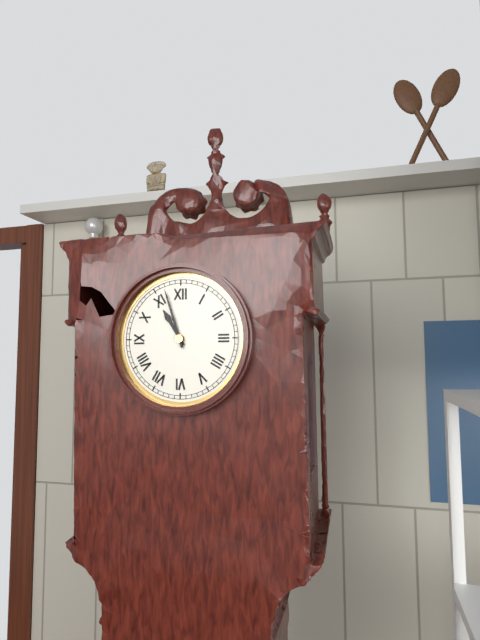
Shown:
10.57
